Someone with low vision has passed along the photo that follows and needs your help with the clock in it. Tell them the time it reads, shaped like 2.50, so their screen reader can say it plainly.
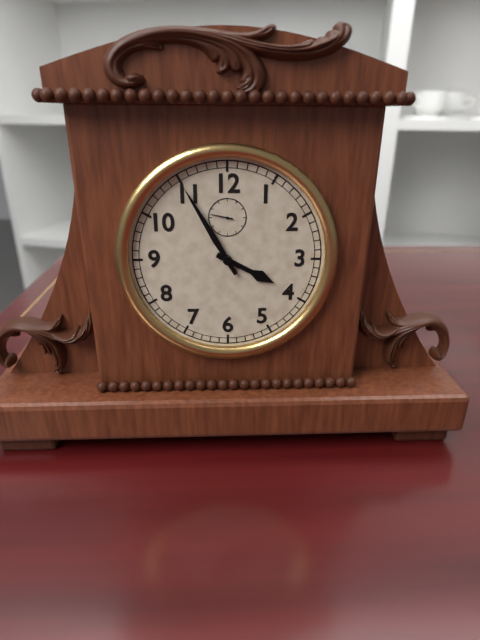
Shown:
3.55
